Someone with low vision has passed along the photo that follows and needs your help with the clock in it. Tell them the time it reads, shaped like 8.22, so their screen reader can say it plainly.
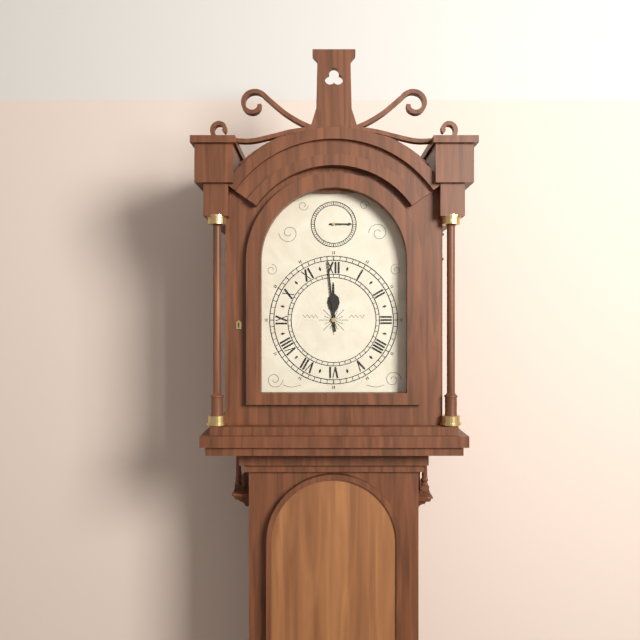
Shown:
11.59
